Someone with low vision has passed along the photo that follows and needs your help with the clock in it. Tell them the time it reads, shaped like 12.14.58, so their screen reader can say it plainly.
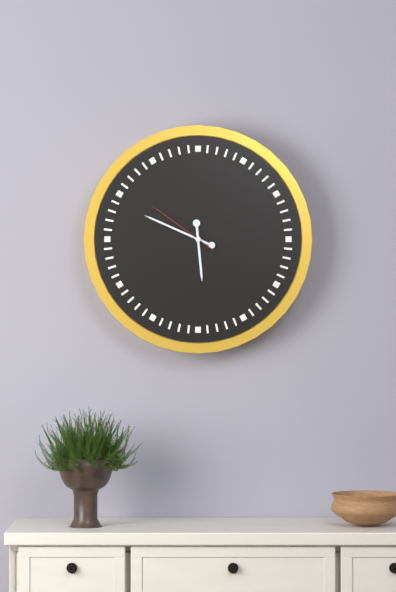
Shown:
5.49.51
